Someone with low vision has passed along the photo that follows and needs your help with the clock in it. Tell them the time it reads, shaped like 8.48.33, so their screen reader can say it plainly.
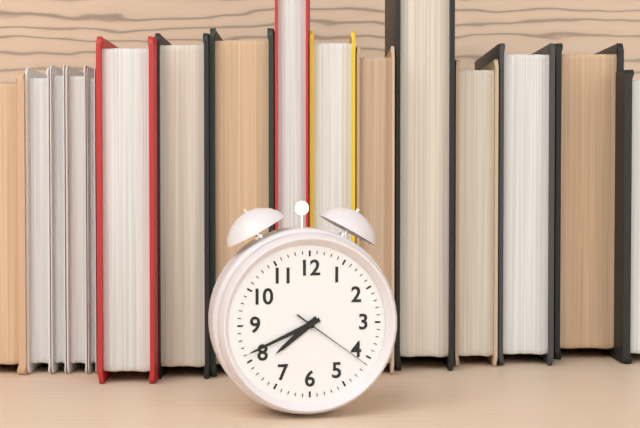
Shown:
7.41.21
